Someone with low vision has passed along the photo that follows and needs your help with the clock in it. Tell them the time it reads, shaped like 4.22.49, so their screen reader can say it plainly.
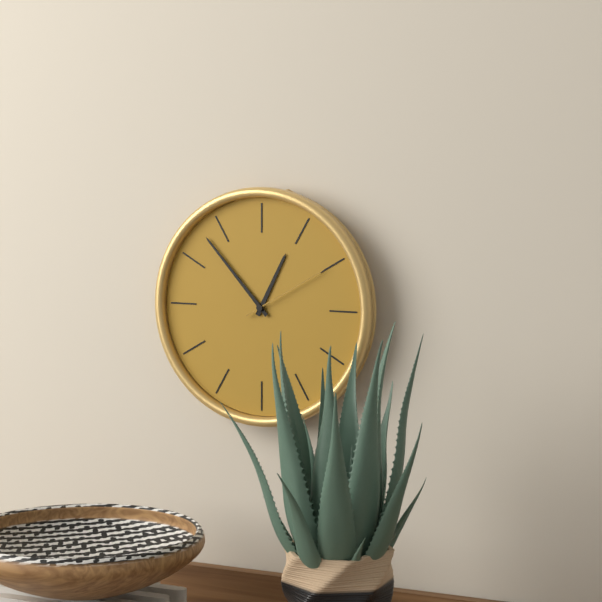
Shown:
12.53.10
